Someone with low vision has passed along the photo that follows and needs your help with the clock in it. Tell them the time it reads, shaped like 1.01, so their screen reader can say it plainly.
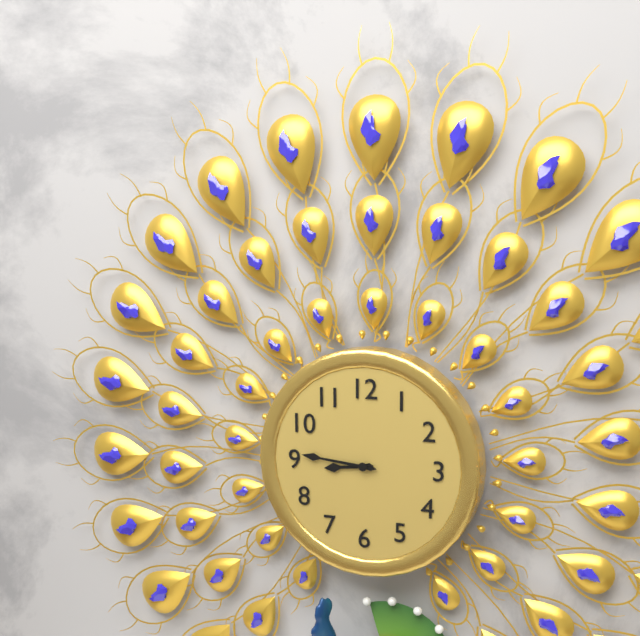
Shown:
8.46
